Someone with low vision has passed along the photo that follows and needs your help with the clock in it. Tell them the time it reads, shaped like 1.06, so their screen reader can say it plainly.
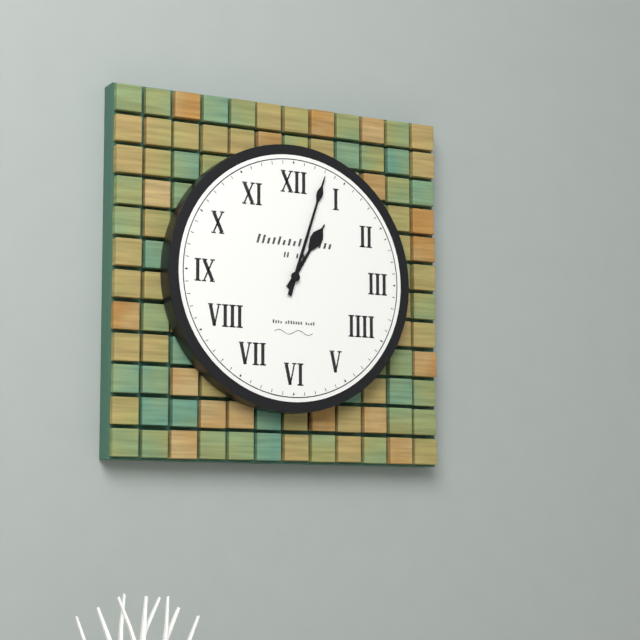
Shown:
1.03
